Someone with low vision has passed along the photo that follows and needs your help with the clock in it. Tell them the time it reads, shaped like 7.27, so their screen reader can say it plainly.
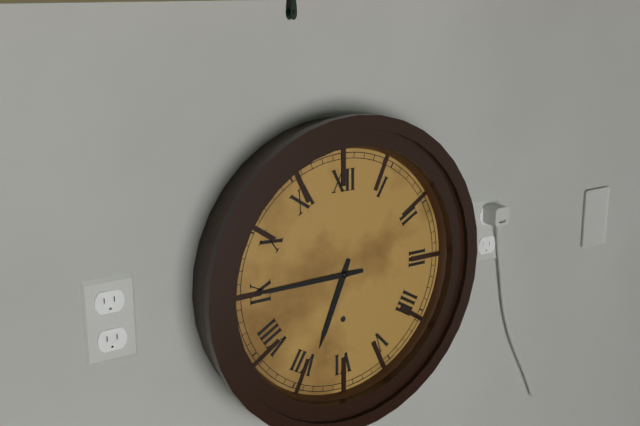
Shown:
6.45
